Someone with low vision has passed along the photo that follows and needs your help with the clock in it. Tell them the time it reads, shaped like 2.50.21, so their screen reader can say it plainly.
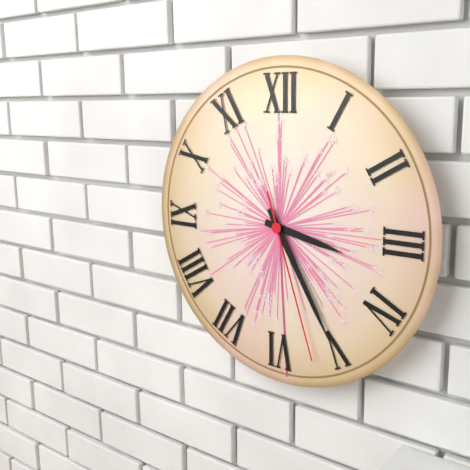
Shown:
3.25.27
